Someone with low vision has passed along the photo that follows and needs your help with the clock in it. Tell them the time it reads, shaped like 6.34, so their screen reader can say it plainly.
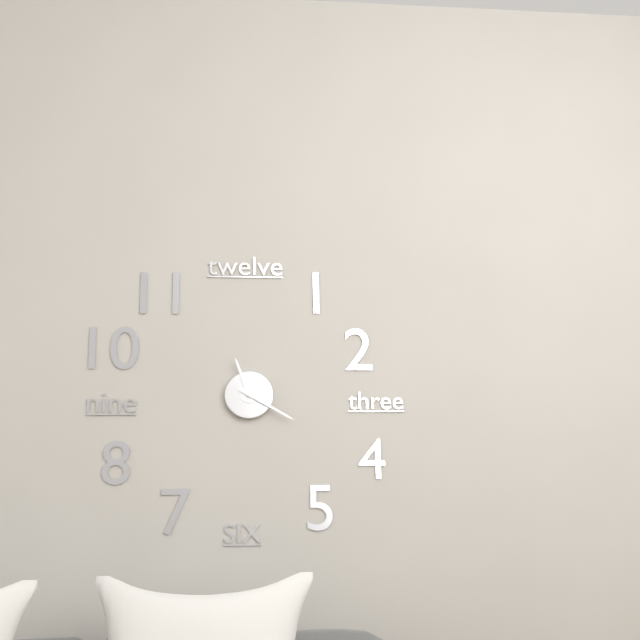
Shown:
11.20
